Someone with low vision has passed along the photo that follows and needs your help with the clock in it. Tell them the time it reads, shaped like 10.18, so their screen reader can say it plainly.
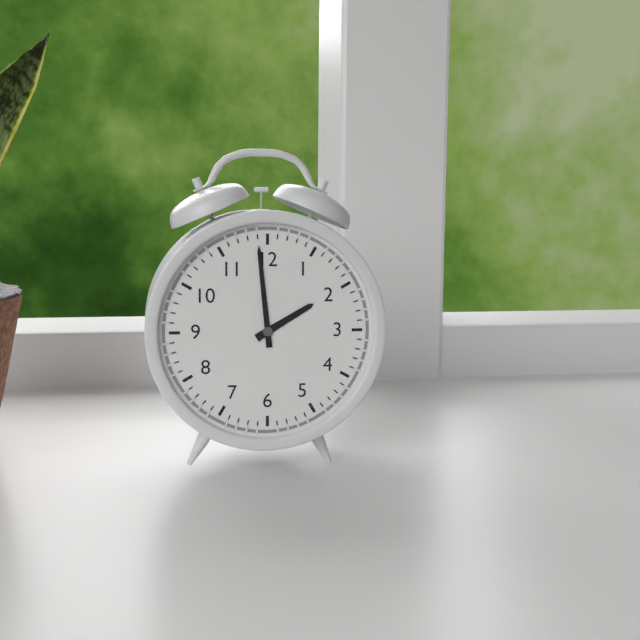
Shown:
1.59
